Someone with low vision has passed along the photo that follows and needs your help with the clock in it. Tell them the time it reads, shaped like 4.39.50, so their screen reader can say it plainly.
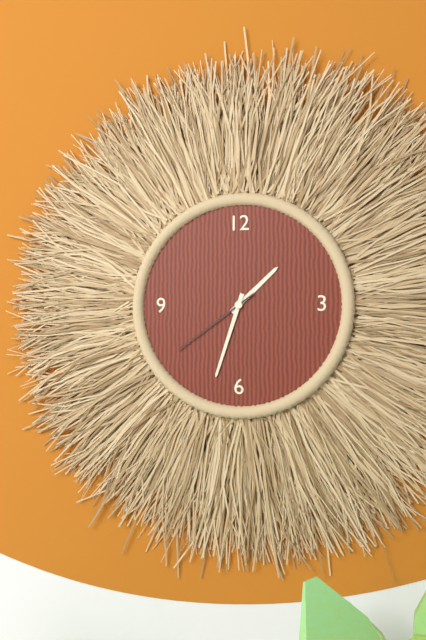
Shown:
1.33.39
